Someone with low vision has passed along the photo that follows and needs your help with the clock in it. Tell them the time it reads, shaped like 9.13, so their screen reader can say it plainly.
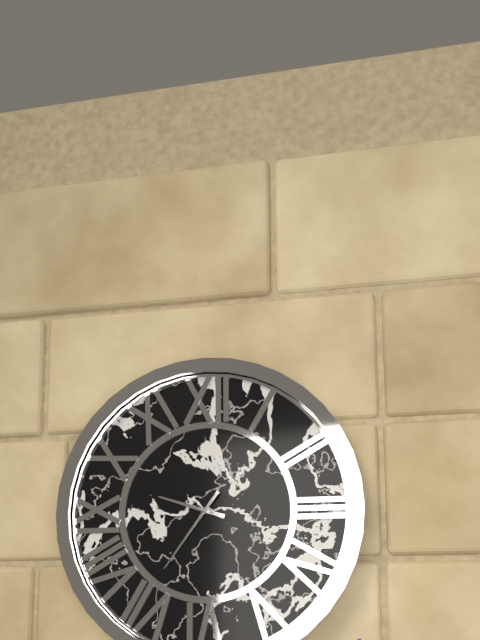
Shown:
9.36
